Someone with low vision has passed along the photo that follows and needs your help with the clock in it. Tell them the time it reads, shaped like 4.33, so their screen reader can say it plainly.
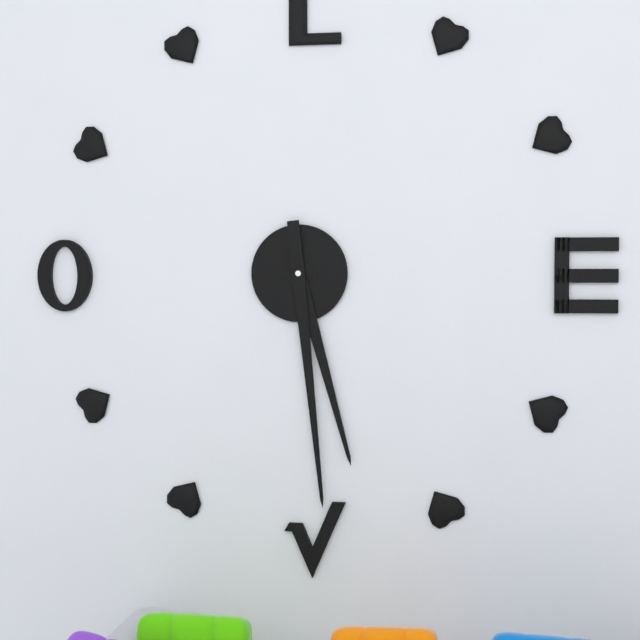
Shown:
5.29
